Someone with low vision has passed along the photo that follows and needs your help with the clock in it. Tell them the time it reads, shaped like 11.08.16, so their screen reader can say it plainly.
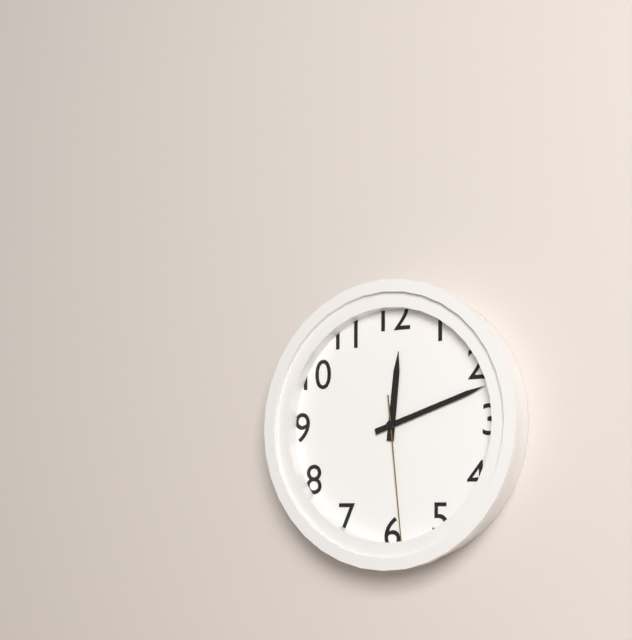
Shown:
12.12.29
